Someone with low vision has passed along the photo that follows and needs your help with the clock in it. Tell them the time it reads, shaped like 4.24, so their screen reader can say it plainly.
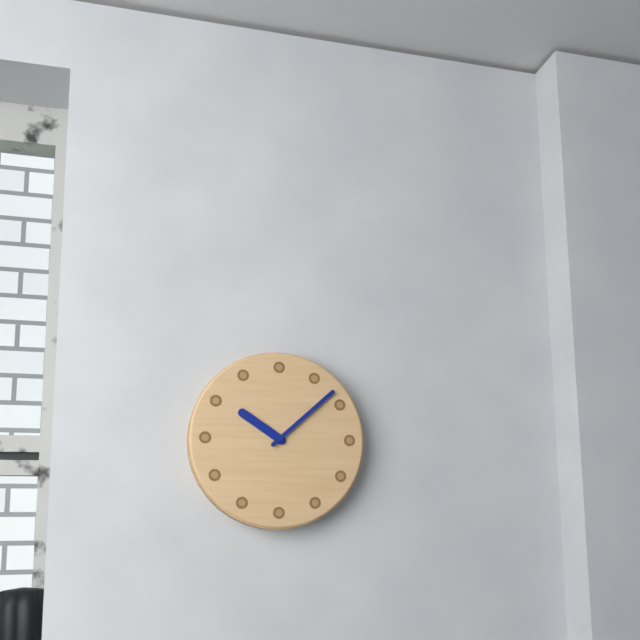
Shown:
10.08
